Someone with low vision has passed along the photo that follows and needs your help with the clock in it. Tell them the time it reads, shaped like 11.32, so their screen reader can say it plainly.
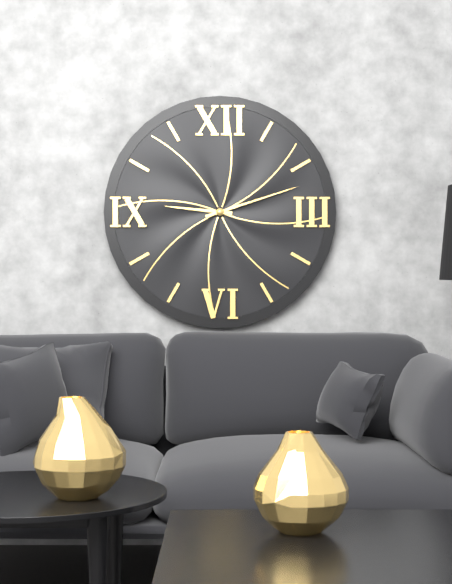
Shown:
9.12
